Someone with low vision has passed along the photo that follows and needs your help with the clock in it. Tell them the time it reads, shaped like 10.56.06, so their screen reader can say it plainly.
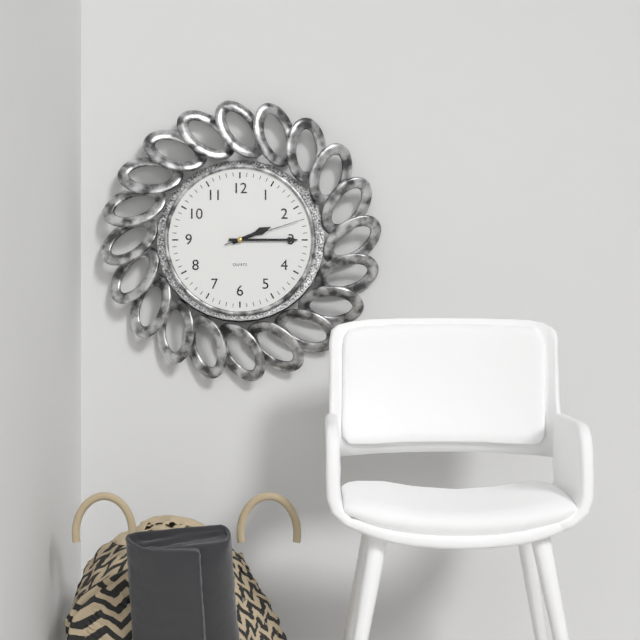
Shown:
2.15.12
